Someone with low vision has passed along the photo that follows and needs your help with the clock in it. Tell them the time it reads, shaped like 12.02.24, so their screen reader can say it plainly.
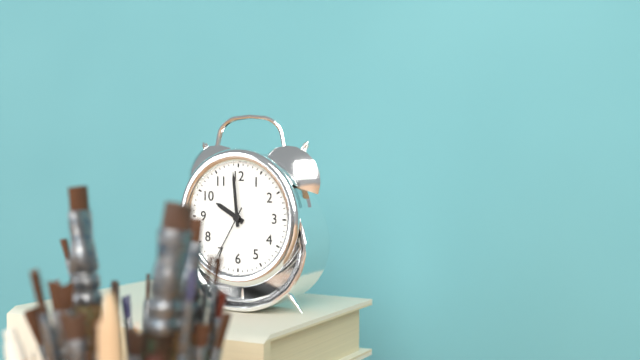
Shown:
9.59.35
